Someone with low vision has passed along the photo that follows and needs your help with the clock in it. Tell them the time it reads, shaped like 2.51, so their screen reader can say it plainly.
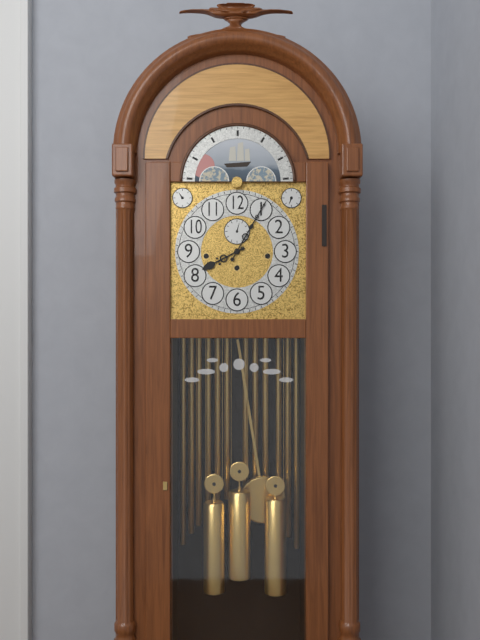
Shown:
8.05
